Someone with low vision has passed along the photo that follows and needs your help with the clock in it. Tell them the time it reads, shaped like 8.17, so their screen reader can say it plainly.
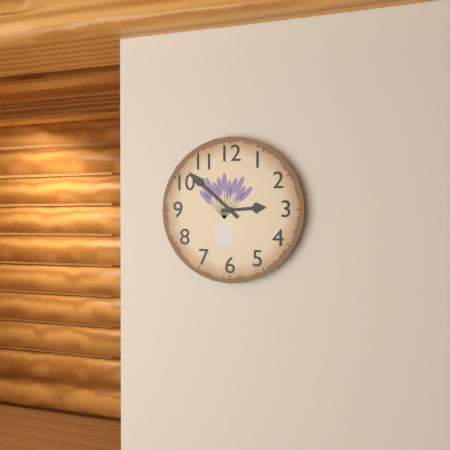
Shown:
2.52
